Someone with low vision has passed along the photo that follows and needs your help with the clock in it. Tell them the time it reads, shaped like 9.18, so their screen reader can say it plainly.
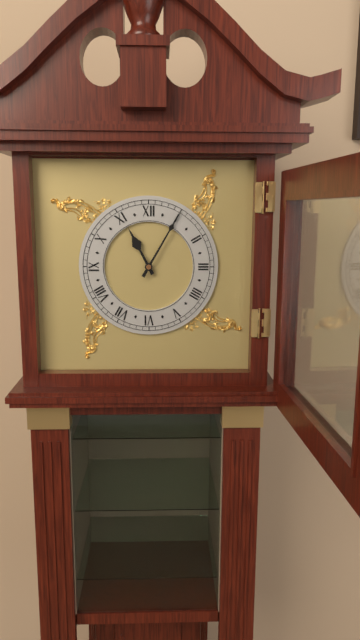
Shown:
11.05
